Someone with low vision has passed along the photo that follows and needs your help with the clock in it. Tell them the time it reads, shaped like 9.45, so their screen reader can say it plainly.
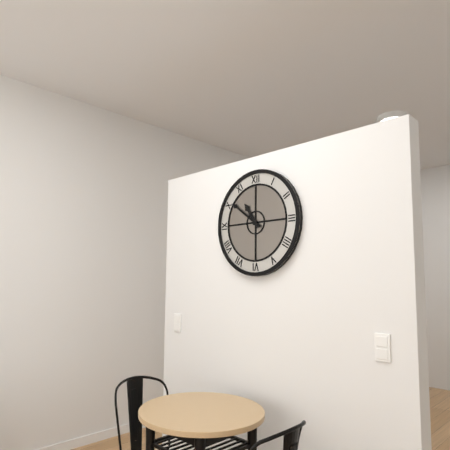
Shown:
10.51
